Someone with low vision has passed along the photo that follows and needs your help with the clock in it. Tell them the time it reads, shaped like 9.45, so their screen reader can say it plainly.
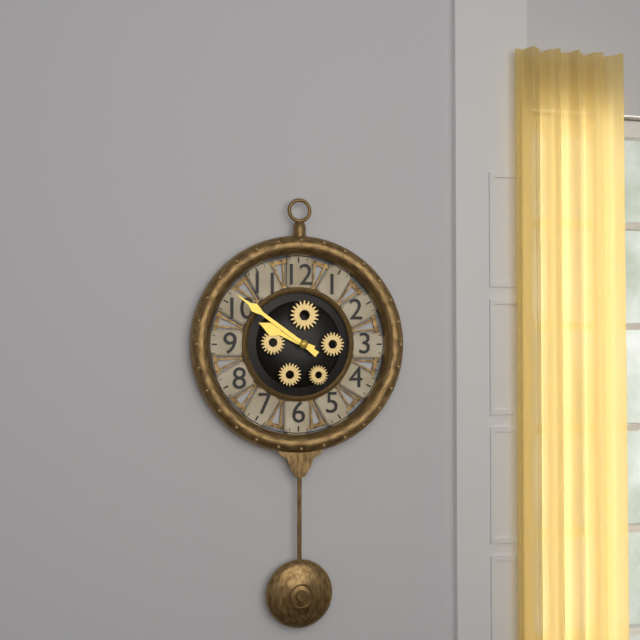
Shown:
9.51
